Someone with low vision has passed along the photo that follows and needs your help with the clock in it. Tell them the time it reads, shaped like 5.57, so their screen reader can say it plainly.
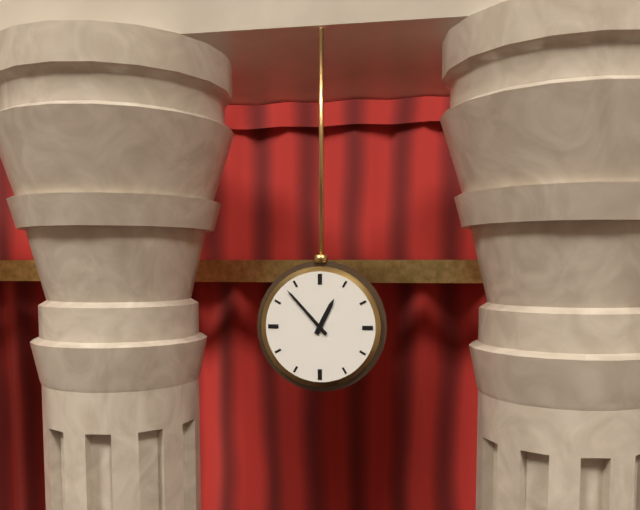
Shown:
12.53
